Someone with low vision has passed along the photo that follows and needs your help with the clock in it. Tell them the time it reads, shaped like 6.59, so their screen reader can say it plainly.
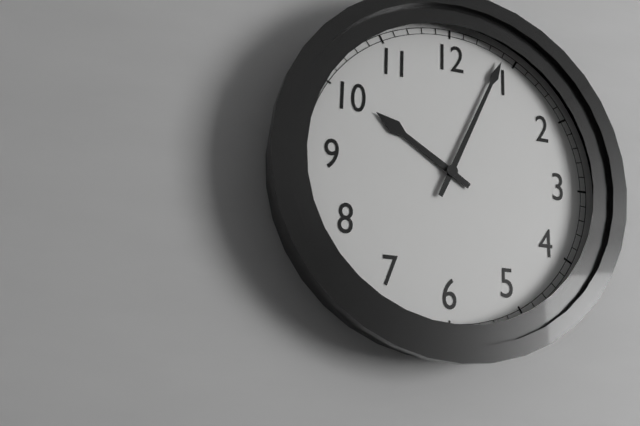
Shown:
10.04
